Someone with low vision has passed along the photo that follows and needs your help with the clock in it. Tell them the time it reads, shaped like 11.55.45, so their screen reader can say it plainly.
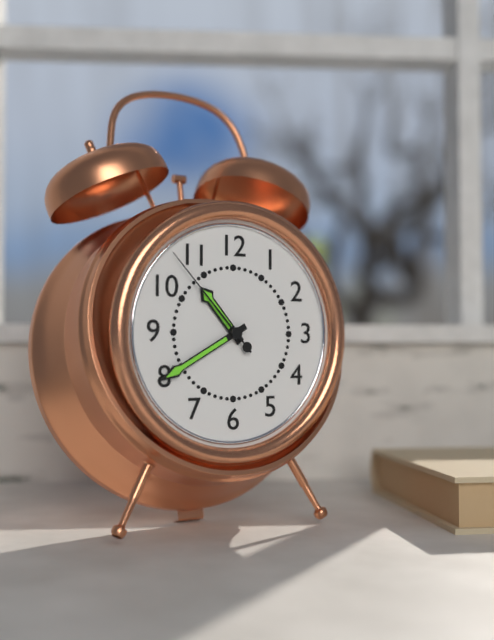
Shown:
10.40.53
